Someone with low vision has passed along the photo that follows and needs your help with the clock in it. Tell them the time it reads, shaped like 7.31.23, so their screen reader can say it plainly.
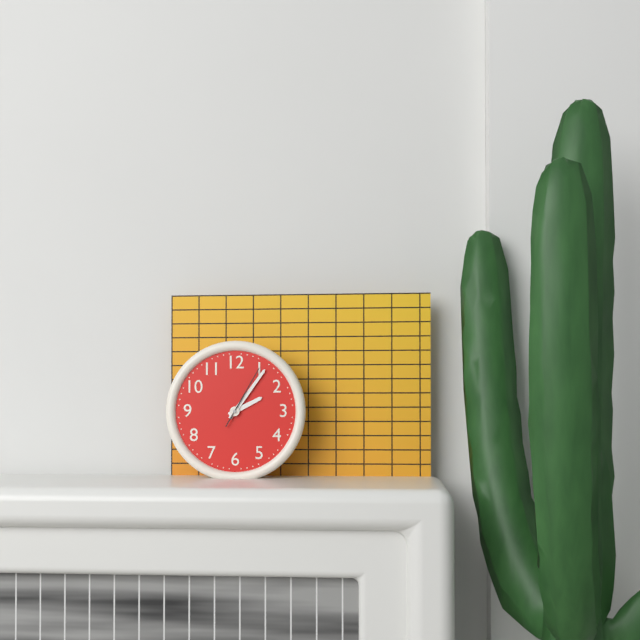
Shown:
2.06.05
